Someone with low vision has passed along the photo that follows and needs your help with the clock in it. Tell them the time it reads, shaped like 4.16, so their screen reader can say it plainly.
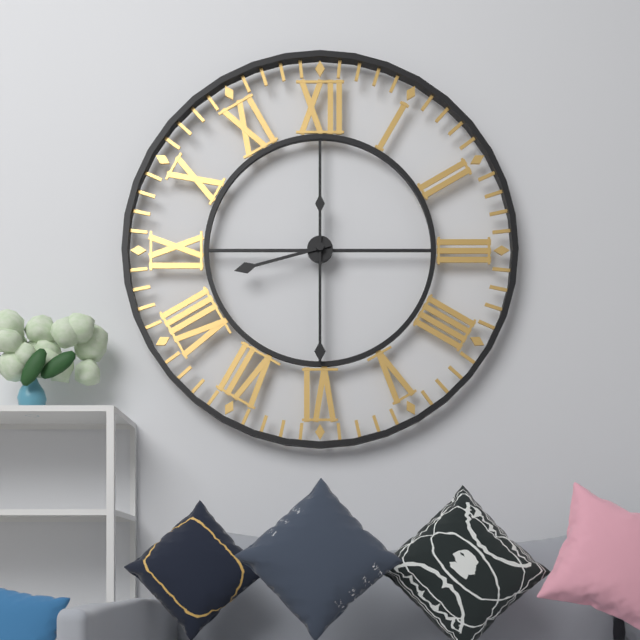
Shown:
8.30
